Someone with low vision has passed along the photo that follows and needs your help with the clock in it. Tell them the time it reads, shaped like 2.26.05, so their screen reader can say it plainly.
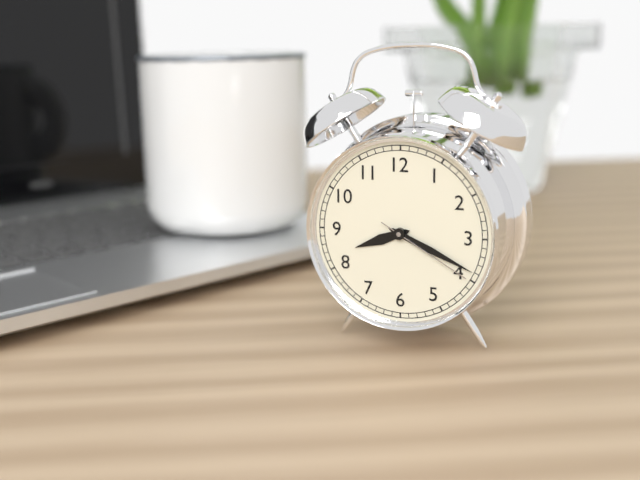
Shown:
8.19.20
